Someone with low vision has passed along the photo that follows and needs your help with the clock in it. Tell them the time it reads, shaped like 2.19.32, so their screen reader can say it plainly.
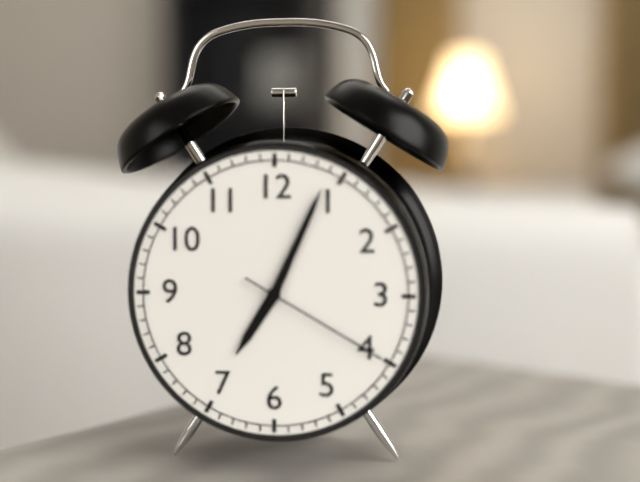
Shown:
7.04.20
